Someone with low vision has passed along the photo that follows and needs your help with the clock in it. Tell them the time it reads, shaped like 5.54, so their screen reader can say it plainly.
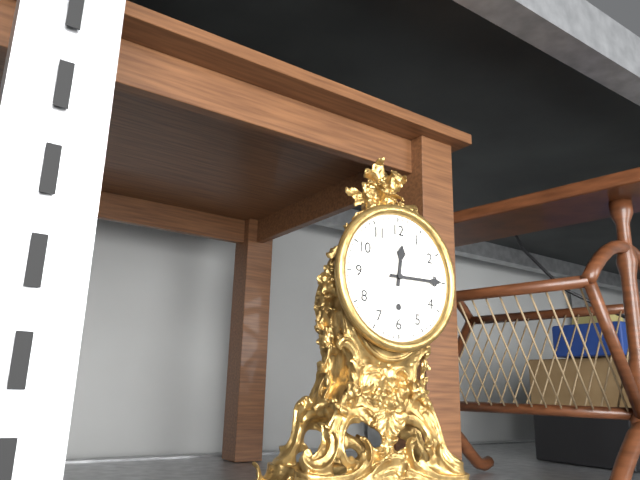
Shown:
12.15
